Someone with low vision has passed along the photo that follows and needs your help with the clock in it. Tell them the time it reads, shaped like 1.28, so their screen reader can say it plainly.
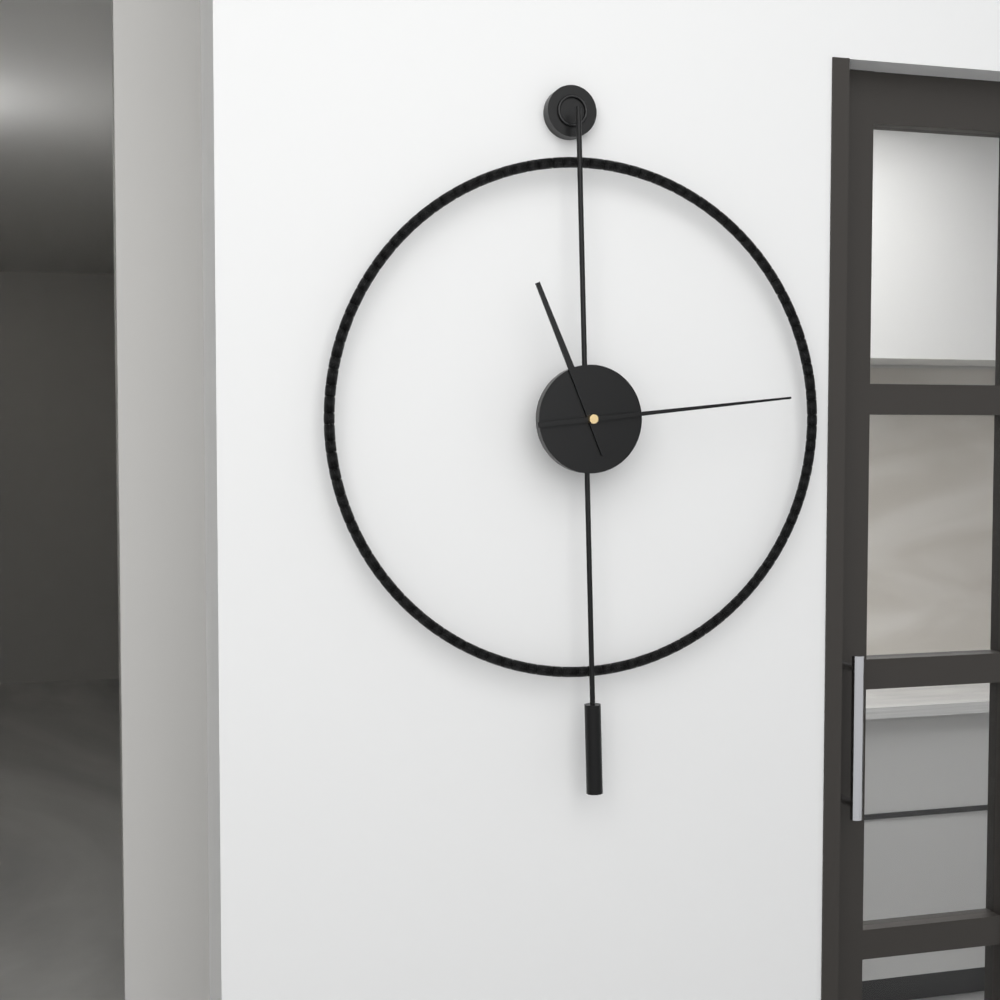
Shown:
11.14
